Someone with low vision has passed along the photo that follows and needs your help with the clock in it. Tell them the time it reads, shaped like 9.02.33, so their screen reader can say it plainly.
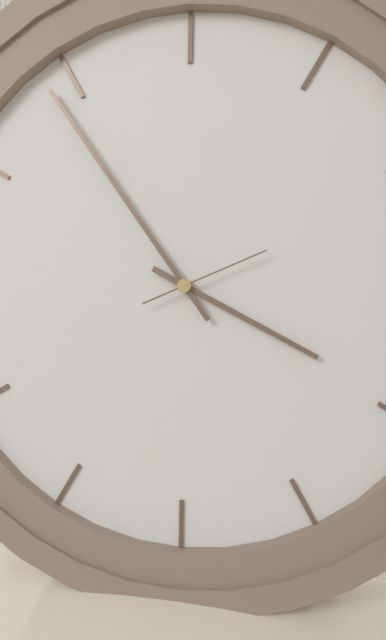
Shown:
3.54.11
